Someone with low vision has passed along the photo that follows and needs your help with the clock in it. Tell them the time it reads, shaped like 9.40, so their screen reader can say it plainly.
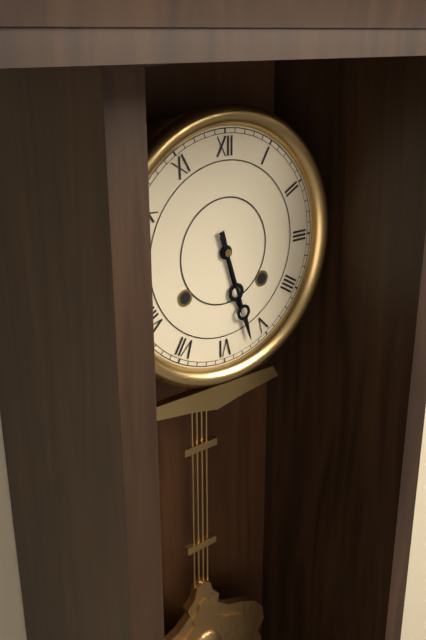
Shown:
5.27
